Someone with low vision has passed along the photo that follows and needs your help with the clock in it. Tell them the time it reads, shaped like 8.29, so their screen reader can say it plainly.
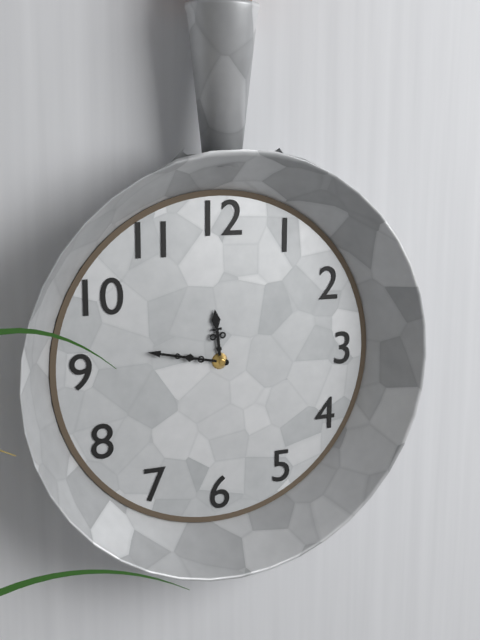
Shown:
11.47
